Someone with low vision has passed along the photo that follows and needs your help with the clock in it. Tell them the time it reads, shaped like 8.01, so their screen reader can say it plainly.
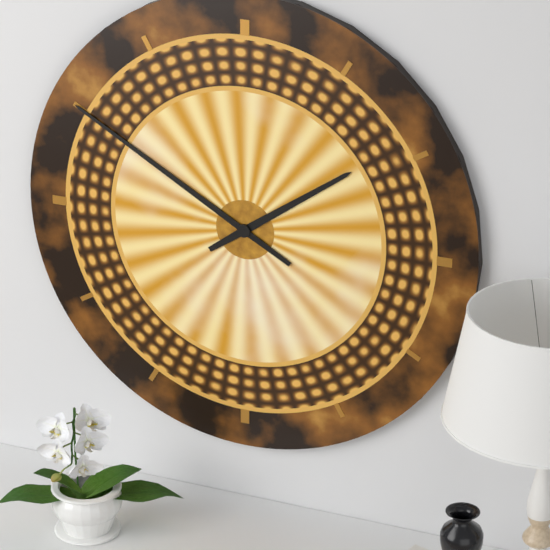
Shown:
1.50
